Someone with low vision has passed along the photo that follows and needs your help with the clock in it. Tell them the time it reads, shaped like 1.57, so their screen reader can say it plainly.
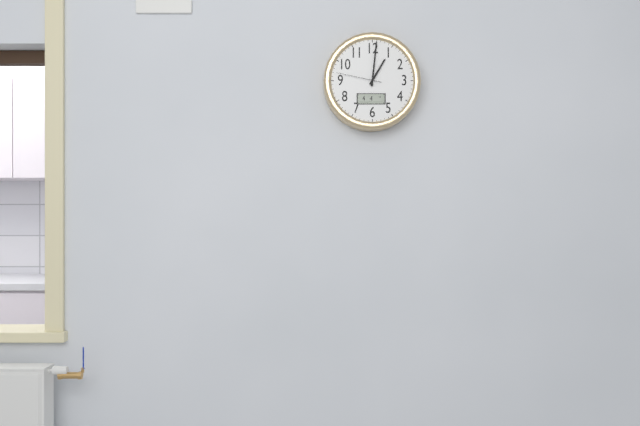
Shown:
1.01
